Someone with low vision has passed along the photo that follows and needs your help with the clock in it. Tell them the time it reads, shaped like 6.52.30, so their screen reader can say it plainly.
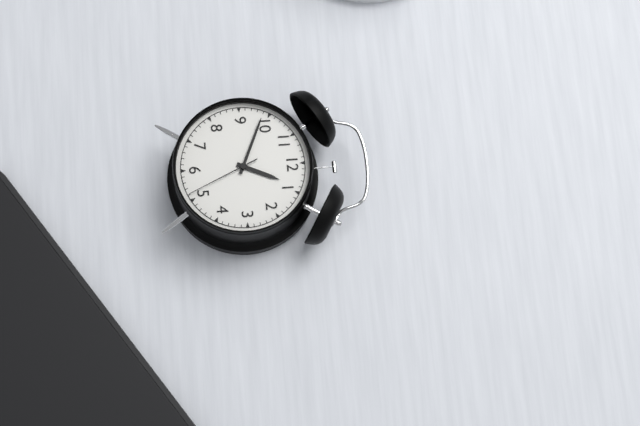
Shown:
12.49.26
